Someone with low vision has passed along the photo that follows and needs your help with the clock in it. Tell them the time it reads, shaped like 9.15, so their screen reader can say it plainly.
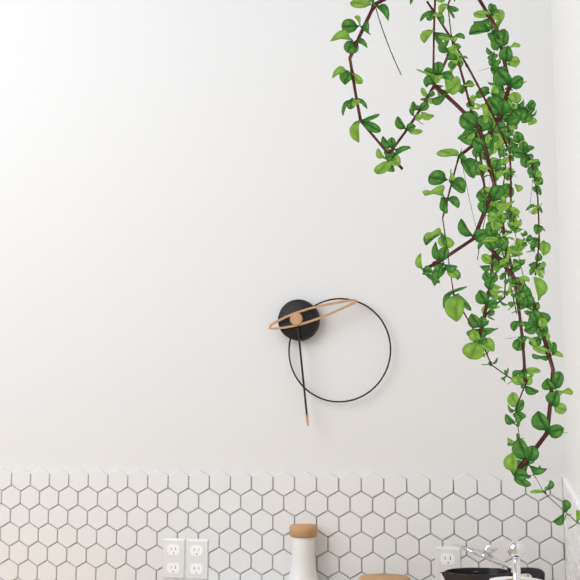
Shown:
2.29
